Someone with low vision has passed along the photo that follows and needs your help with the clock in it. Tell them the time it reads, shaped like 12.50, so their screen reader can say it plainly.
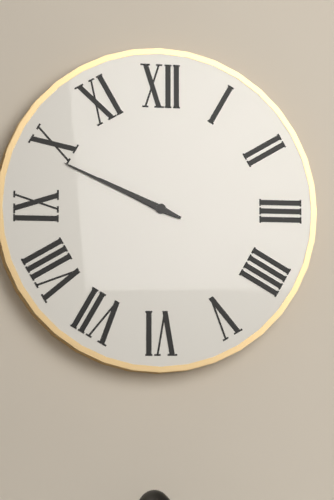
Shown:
9.49
